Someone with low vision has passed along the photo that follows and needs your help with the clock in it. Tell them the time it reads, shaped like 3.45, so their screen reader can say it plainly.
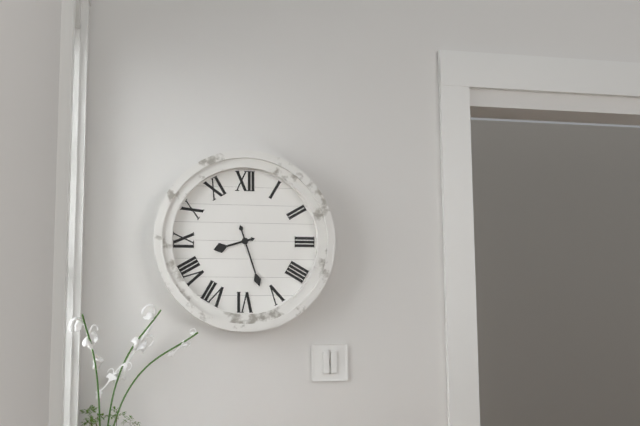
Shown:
8.27
